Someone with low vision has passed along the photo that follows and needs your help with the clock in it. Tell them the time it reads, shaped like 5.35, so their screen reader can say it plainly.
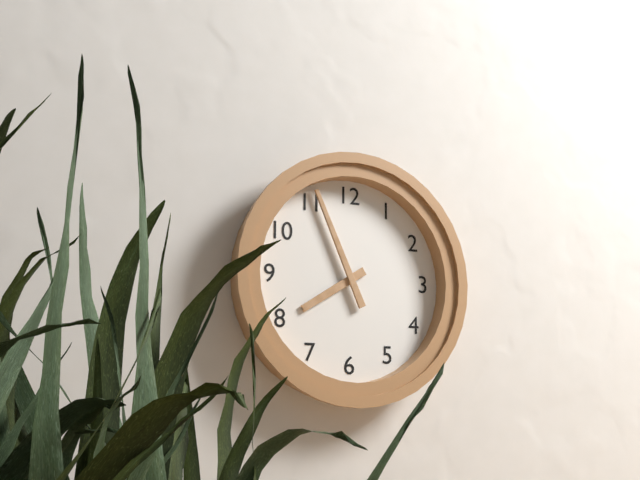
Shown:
7.56
